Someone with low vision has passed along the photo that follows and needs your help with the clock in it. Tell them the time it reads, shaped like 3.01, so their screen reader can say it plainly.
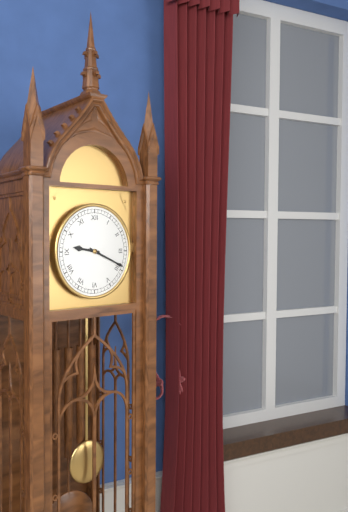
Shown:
9.19
